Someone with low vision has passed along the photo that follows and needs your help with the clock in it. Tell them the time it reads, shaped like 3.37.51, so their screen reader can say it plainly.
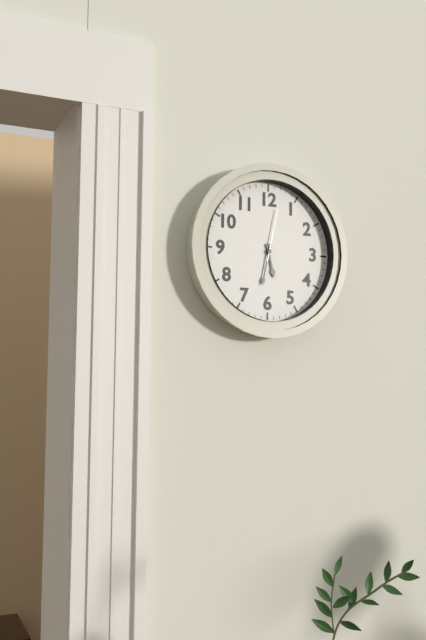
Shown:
5.32.02
